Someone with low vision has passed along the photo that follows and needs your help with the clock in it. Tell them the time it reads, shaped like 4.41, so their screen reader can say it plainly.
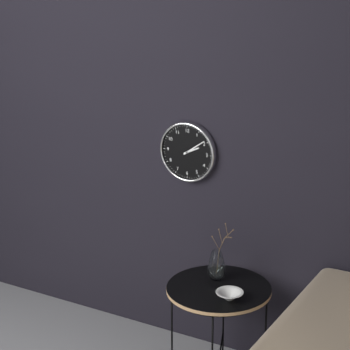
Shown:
2.09
